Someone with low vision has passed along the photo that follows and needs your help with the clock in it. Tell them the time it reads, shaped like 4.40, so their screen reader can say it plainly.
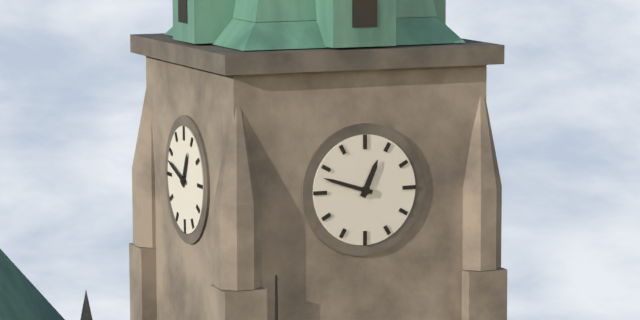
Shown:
12.48
